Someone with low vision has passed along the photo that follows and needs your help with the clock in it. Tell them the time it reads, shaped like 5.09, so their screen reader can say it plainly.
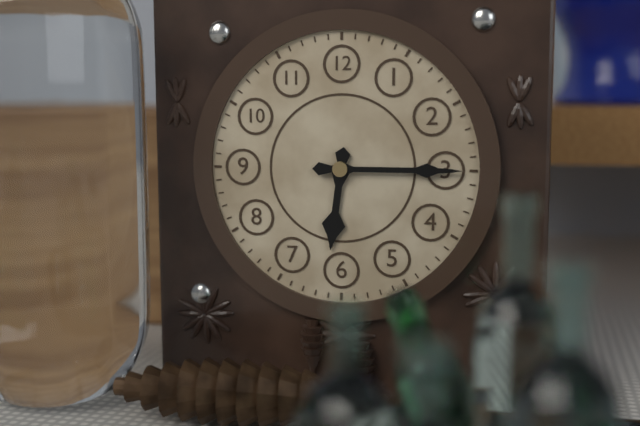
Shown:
6.15
